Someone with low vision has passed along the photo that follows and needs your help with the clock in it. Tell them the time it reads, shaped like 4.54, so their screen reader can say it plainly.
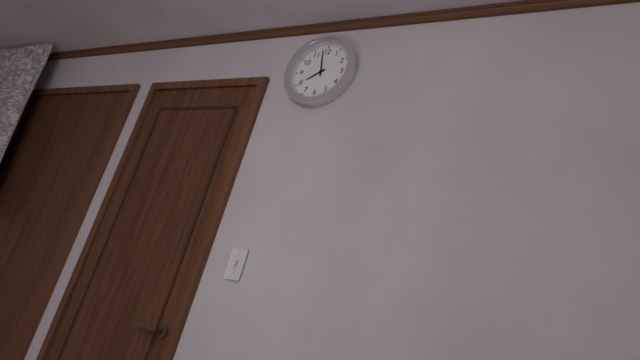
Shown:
7.58
